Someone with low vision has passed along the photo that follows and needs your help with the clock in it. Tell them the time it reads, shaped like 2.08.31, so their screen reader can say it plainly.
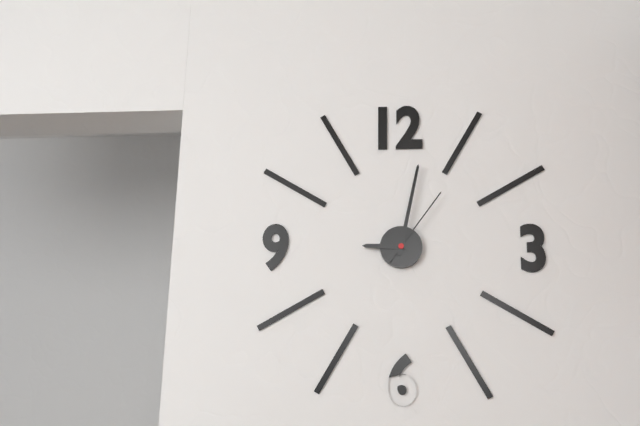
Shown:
9.02.06
